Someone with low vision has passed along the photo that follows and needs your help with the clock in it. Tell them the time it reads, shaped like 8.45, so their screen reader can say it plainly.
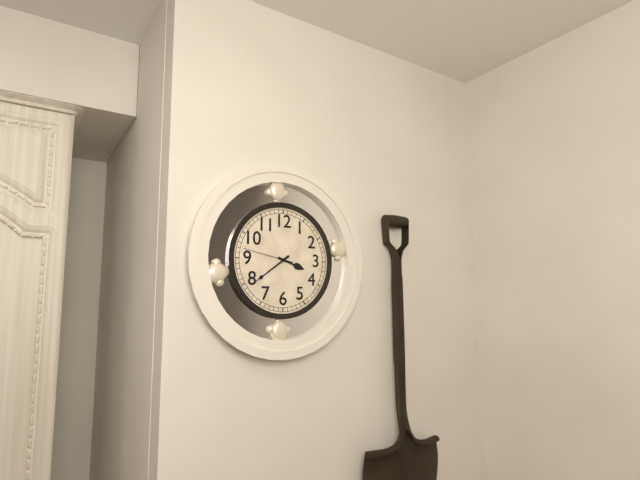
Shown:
3.39
